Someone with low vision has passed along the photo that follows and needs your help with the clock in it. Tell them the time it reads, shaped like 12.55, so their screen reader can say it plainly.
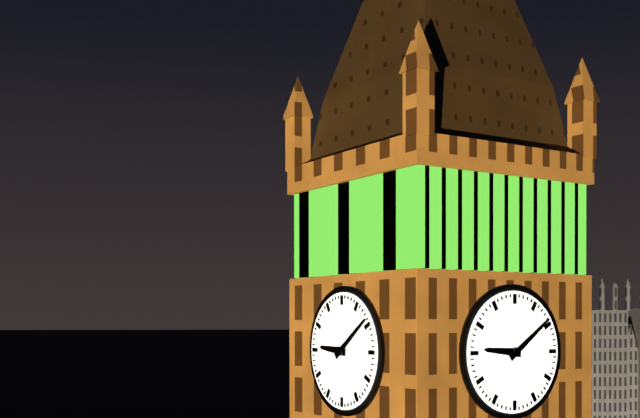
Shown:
9.09
